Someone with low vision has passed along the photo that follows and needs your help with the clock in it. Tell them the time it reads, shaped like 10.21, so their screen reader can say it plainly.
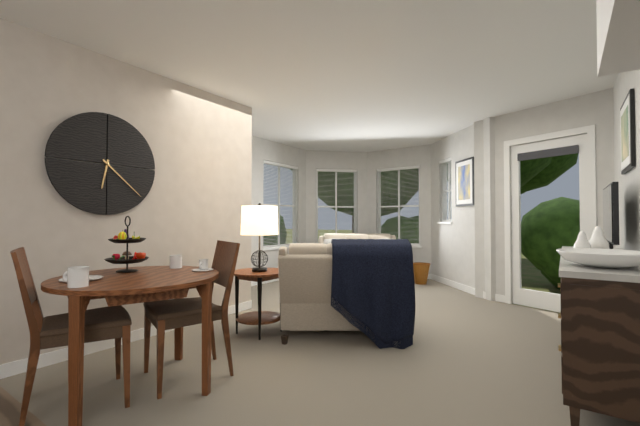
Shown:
6.22
